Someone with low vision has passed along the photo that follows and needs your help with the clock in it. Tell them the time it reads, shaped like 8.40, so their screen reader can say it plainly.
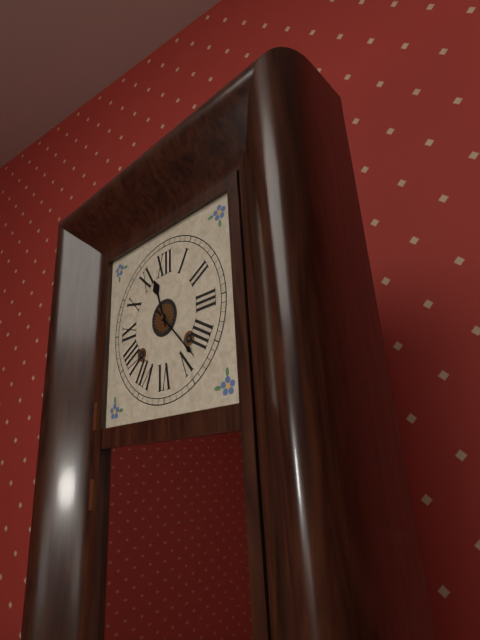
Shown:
11.23
